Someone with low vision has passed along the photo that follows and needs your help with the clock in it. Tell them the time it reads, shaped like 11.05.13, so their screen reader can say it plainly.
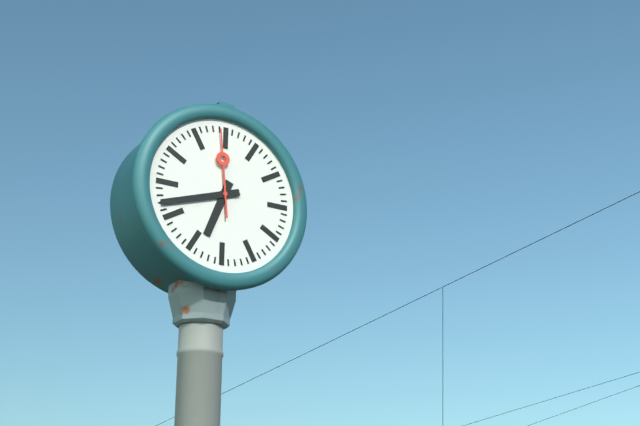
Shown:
6.42.59
